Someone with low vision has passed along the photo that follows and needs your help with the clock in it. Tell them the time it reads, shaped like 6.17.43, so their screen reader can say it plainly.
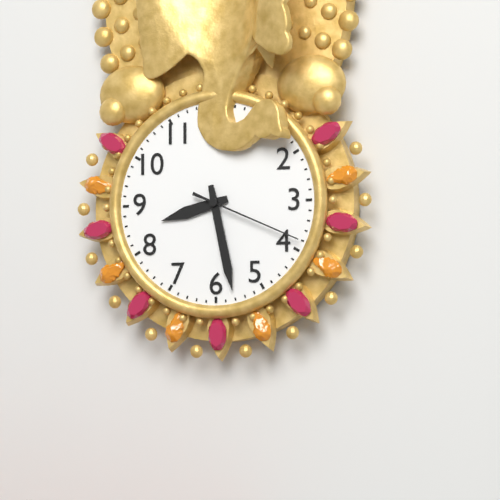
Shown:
8.28.19
